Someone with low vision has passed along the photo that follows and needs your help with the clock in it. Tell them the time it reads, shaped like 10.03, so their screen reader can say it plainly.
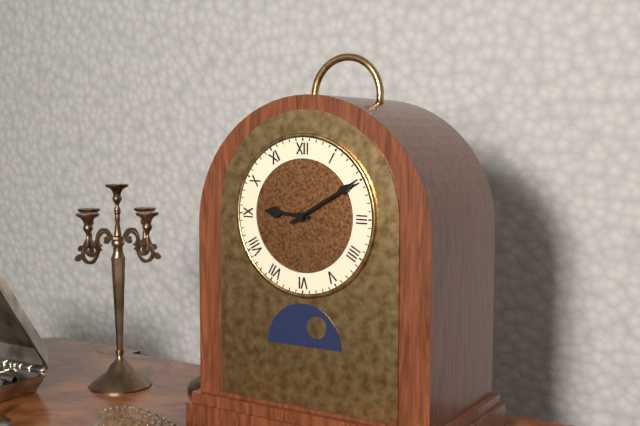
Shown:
9.10
